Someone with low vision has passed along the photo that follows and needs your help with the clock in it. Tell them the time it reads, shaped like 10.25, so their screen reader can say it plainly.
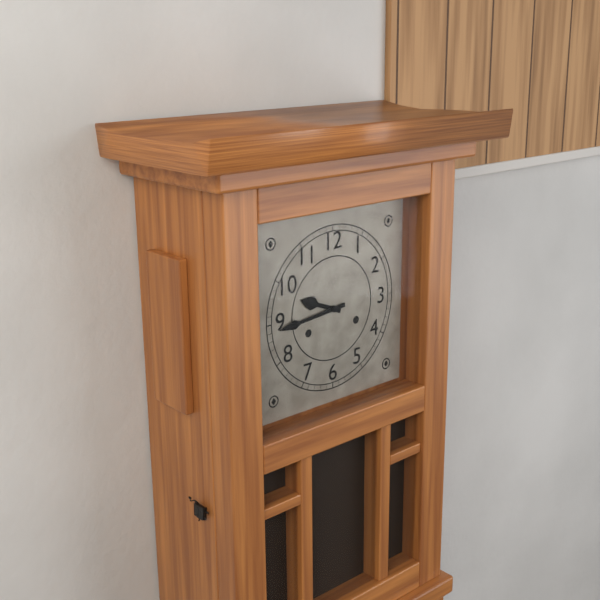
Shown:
9.44
